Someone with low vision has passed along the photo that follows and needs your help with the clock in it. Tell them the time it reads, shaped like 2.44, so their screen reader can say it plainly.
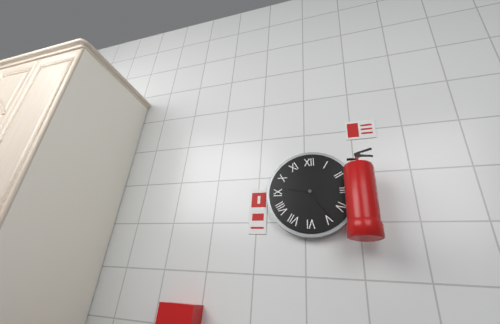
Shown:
9.24
